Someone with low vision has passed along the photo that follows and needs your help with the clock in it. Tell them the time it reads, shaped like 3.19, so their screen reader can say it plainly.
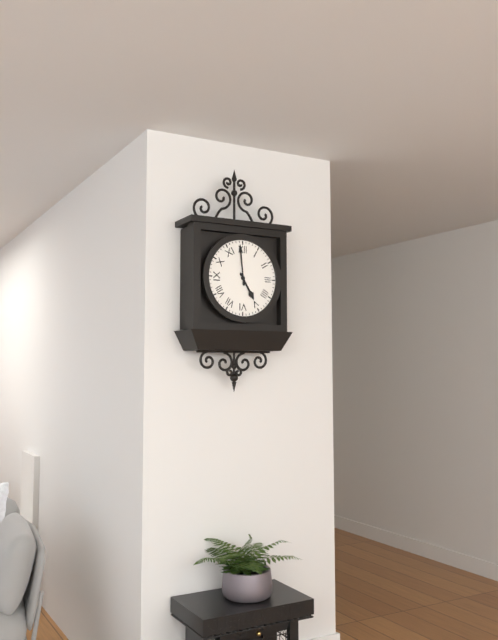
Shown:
4.59
